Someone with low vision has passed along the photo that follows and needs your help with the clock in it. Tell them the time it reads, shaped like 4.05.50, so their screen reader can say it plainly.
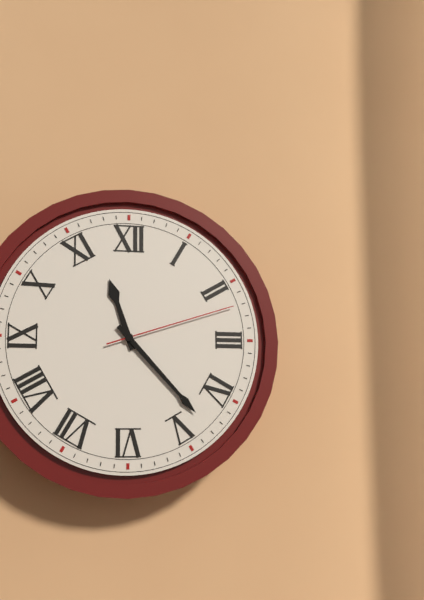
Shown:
11.23.12
